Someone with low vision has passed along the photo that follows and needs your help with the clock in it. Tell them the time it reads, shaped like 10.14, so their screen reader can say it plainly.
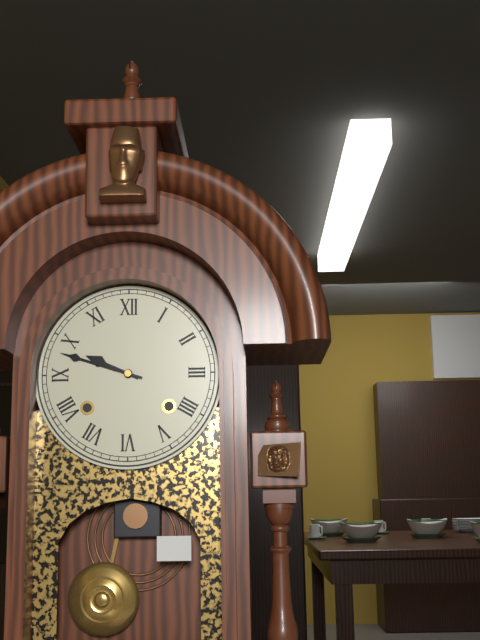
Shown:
9.48
